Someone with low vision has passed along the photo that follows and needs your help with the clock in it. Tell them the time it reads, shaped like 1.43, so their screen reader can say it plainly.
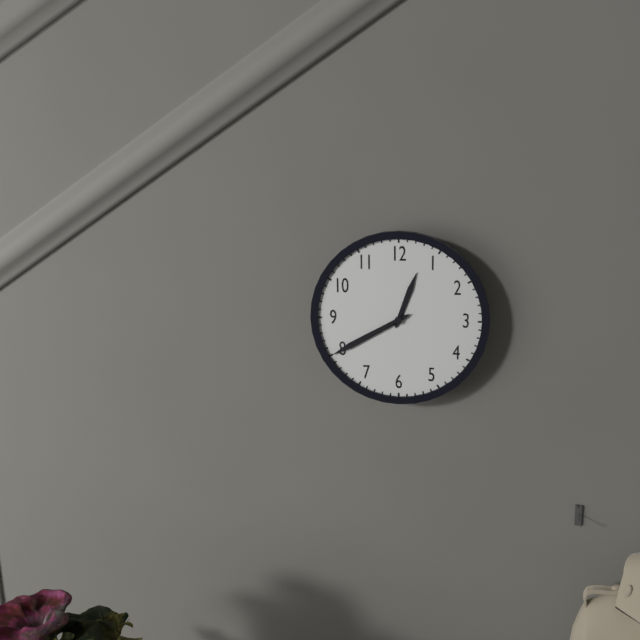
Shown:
12.40
